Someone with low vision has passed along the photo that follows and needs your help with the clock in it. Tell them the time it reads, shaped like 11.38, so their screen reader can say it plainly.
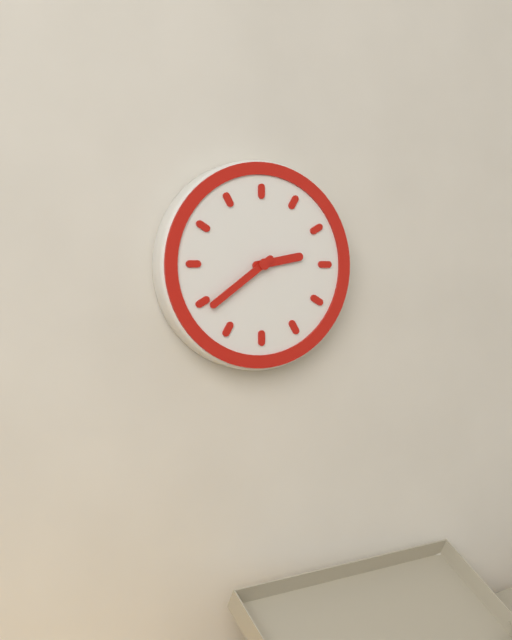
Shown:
2.39
